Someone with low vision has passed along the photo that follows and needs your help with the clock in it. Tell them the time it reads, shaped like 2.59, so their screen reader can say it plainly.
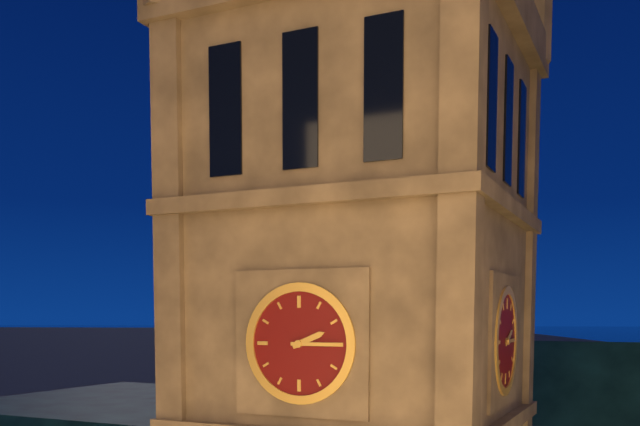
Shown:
2.15
